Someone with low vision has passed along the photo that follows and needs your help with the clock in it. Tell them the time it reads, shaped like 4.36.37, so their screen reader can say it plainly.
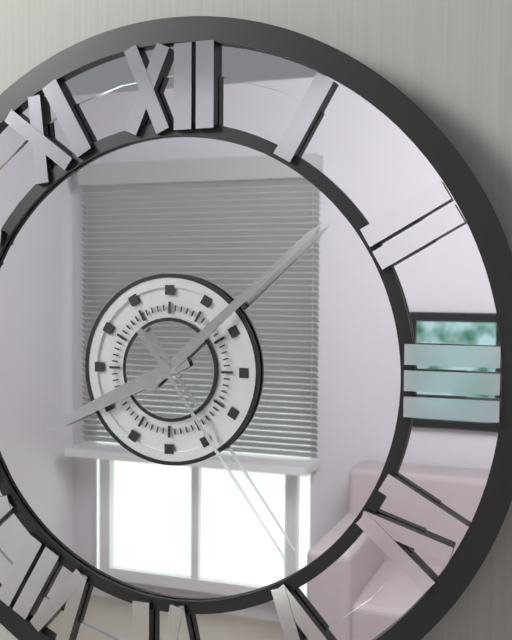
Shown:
8.08.24
